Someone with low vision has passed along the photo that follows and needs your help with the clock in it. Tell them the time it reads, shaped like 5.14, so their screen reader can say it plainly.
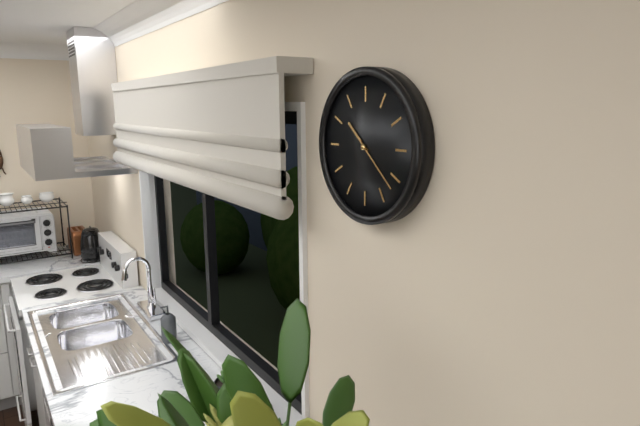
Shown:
10.22
